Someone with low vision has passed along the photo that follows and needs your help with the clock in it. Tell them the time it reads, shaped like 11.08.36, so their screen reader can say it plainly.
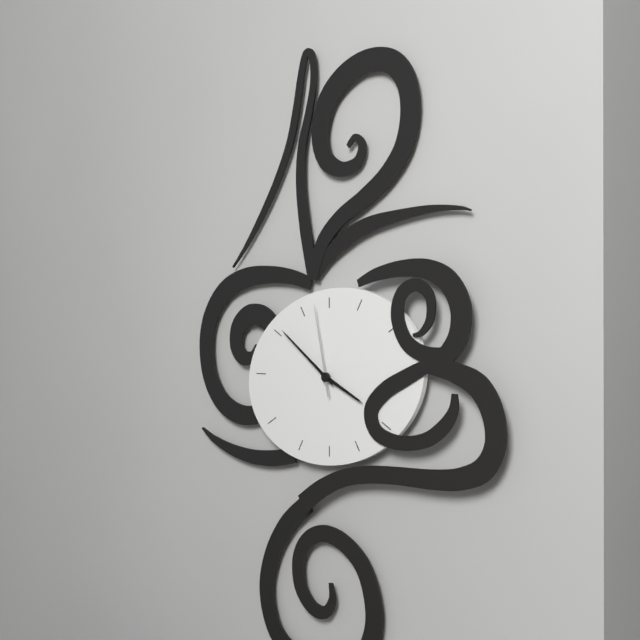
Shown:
3.51.58
